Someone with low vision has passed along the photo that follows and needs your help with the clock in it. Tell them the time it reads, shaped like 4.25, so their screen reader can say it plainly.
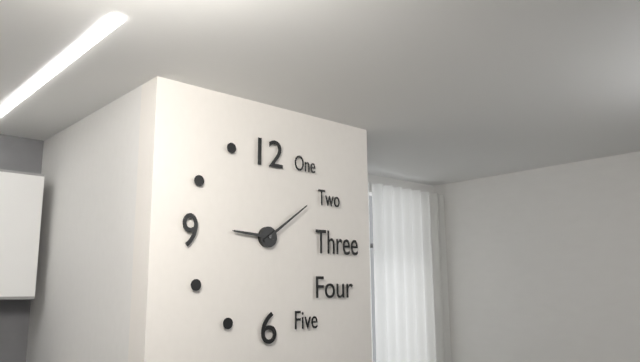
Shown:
9.09
